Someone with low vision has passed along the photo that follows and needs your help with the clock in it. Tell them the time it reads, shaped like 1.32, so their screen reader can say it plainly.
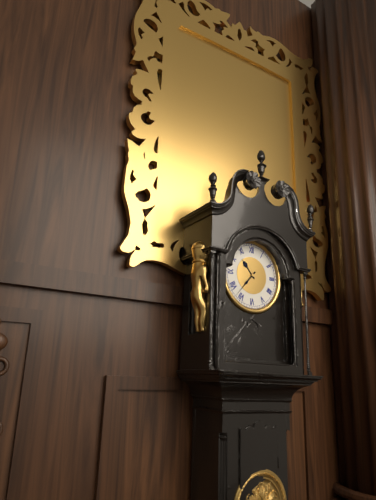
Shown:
10.37
